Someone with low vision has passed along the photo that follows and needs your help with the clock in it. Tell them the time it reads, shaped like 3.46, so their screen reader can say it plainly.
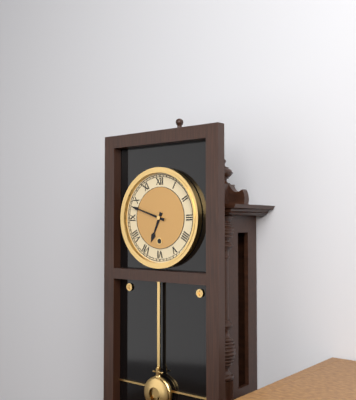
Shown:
6.48
